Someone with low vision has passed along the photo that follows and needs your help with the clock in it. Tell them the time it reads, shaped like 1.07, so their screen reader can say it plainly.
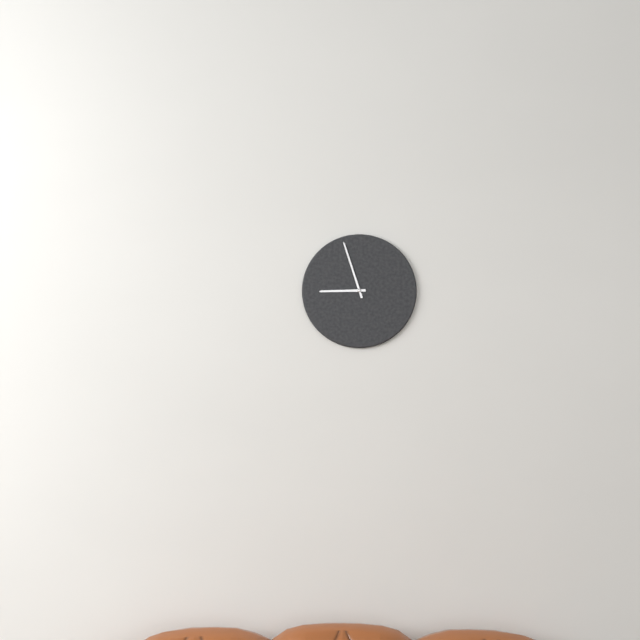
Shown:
8.57
